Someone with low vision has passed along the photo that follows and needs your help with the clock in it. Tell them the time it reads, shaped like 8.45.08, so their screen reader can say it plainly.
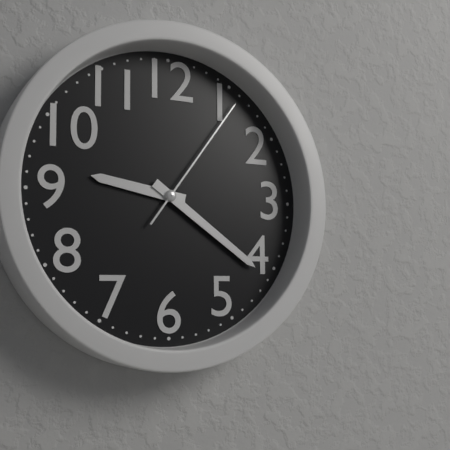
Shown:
9.21.06
